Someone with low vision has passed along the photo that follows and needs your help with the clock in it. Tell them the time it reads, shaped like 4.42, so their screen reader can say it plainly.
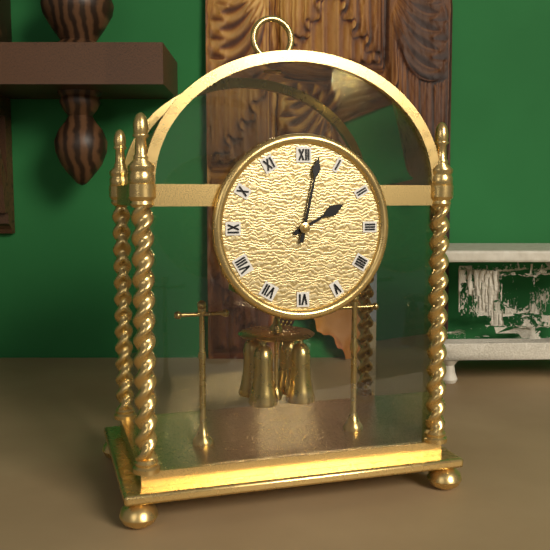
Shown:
2.02
